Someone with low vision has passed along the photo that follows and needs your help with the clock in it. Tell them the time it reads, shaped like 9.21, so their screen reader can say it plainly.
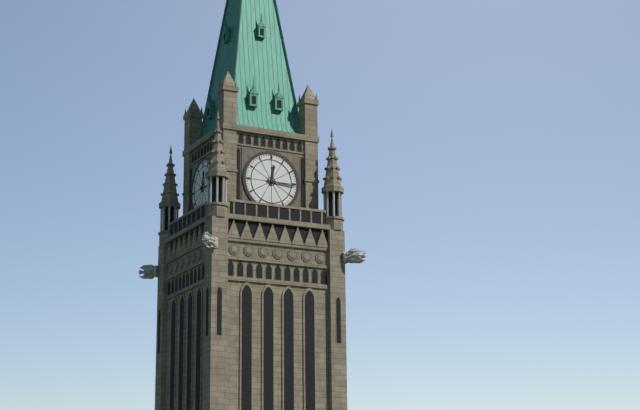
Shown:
12.16
